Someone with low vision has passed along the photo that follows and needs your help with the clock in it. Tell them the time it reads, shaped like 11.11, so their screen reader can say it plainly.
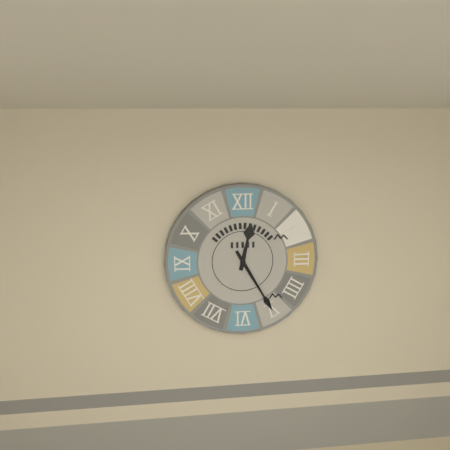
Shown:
12.25
